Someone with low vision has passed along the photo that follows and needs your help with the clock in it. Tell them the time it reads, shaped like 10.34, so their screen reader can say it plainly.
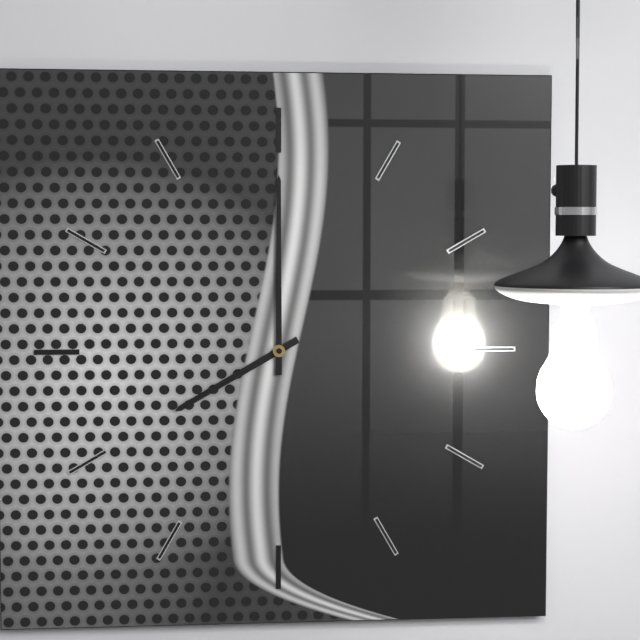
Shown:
8.00
